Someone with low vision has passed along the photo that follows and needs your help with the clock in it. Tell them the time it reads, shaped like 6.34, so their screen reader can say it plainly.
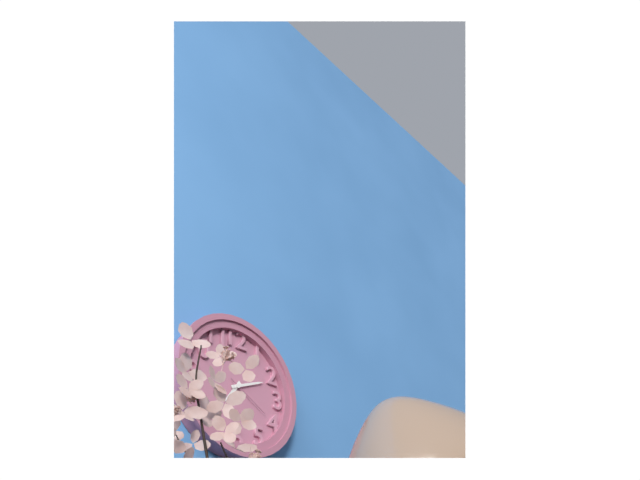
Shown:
7.11
